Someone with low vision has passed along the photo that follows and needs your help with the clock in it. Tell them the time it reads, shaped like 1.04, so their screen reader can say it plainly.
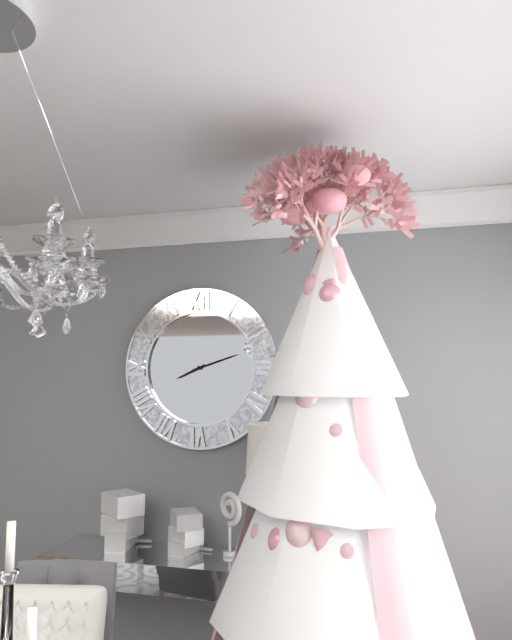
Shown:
8.12
